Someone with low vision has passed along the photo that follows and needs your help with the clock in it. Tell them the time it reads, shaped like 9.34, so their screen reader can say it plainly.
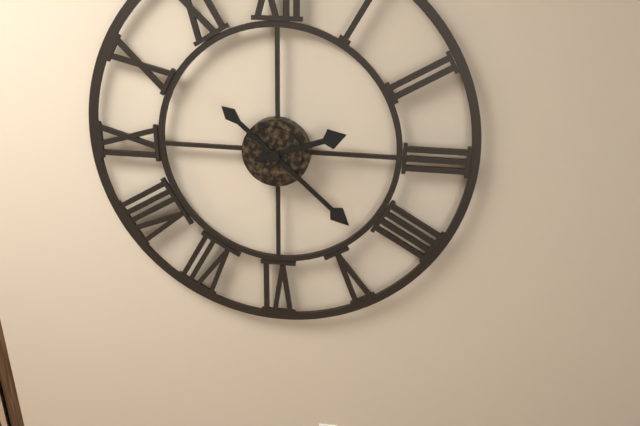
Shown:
2.22
